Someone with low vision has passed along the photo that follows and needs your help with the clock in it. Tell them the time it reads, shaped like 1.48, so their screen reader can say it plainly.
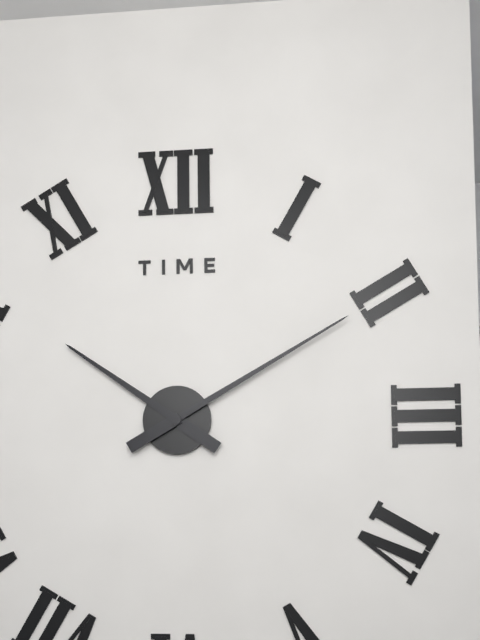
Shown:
10.10
